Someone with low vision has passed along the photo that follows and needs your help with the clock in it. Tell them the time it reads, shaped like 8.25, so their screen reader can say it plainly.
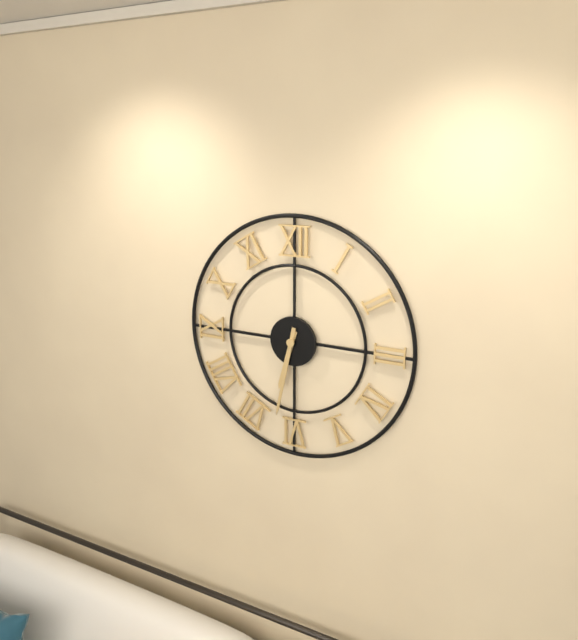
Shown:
6.32
